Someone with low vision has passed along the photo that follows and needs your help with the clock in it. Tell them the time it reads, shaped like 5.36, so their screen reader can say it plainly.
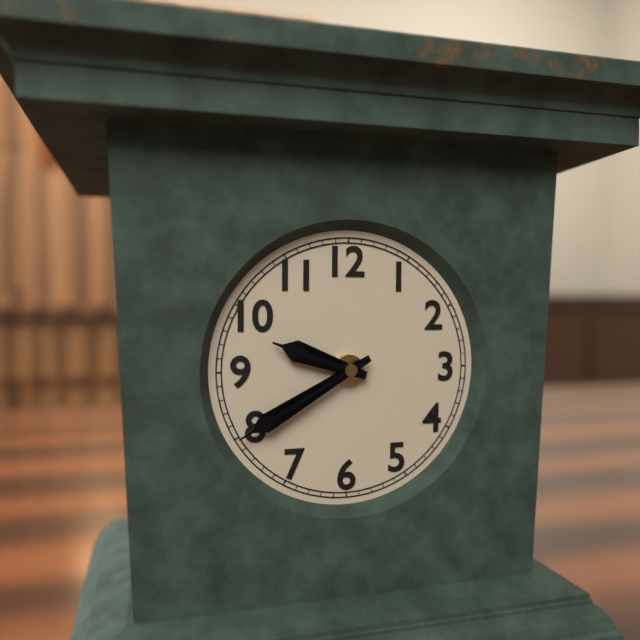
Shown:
9.40
